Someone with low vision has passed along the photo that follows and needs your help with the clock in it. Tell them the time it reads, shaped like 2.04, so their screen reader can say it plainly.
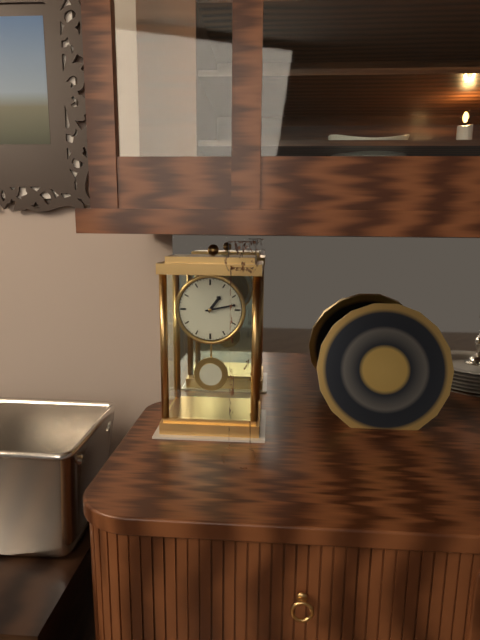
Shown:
1.13
